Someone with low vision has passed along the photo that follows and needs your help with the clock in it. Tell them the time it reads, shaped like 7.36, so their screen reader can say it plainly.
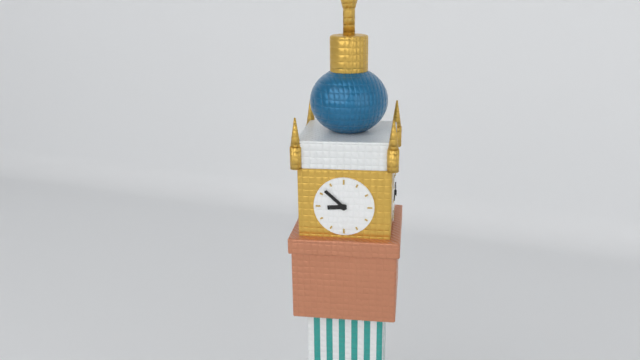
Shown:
8.52
